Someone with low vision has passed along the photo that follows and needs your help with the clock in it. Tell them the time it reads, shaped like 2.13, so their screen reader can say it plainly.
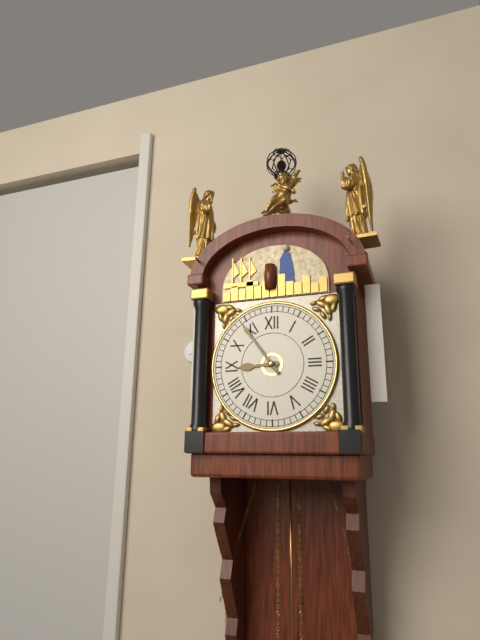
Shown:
8.54
